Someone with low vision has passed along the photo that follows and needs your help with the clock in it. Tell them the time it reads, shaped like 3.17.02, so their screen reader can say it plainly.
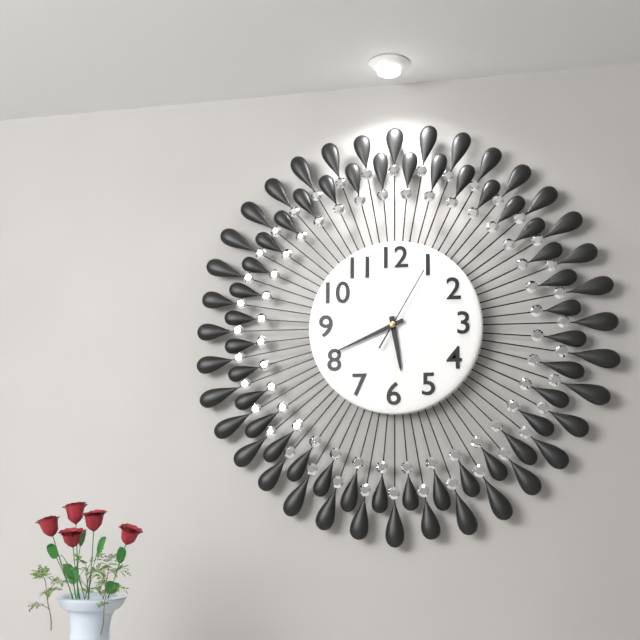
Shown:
5.41.05
